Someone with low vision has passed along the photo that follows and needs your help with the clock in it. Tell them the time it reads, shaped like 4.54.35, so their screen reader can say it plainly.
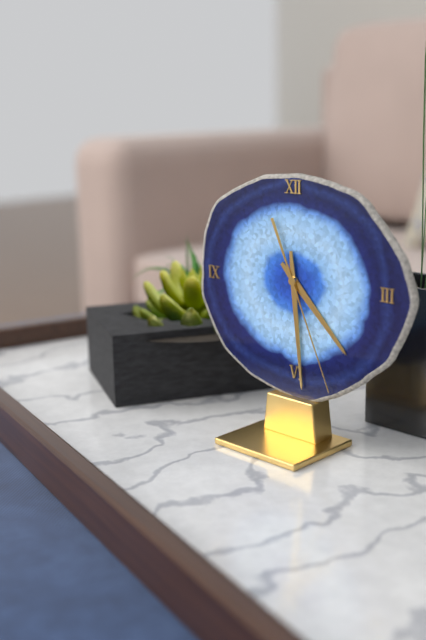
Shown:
4.29.26
